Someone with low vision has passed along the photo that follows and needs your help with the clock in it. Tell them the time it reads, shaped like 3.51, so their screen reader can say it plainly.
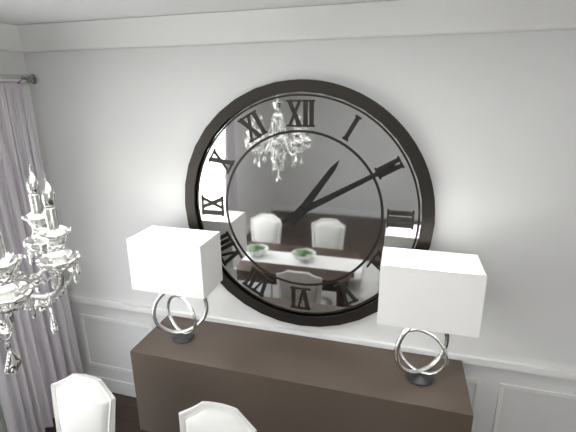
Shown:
1.10
